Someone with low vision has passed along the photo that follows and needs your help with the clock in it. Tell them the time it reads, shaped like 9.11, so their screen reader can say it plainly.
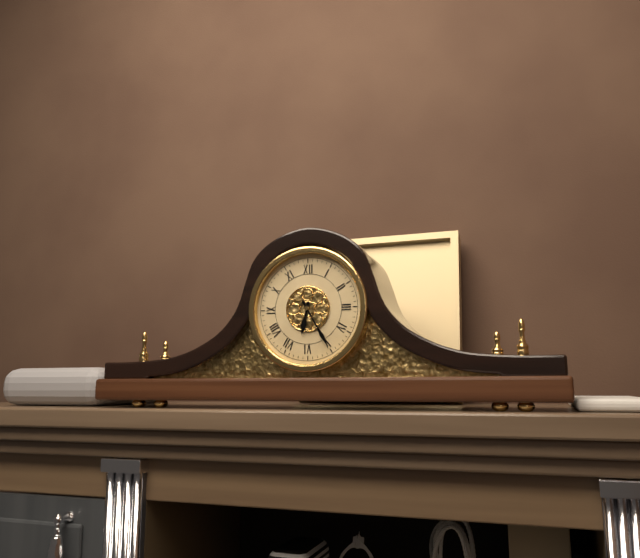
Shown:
6.25
